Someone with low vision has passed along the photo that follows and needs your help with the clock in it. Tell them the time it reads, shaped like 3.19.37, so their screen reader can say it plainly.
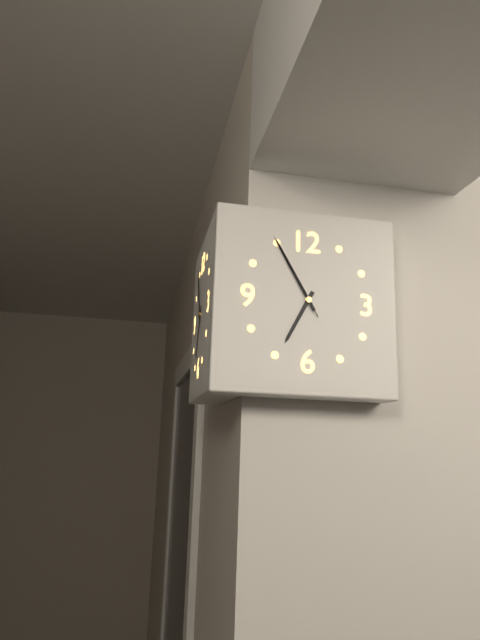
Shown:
6.55.55
